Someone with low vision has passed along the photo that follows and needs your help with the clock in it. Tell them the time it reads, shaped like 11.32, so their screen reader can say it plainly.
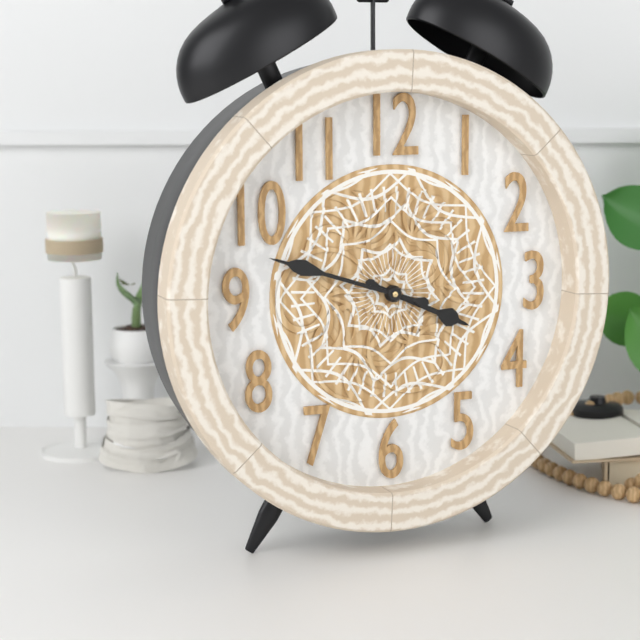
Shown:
3.48
